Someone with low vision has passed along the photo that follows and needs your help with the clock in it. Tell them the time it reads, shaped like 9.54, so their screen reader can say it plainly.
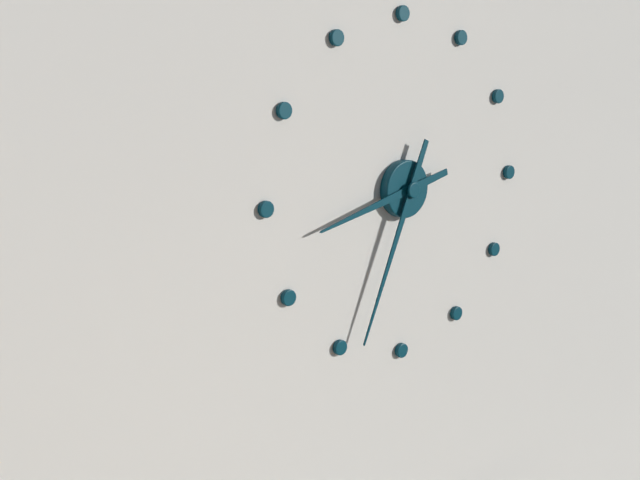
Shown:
8.34
